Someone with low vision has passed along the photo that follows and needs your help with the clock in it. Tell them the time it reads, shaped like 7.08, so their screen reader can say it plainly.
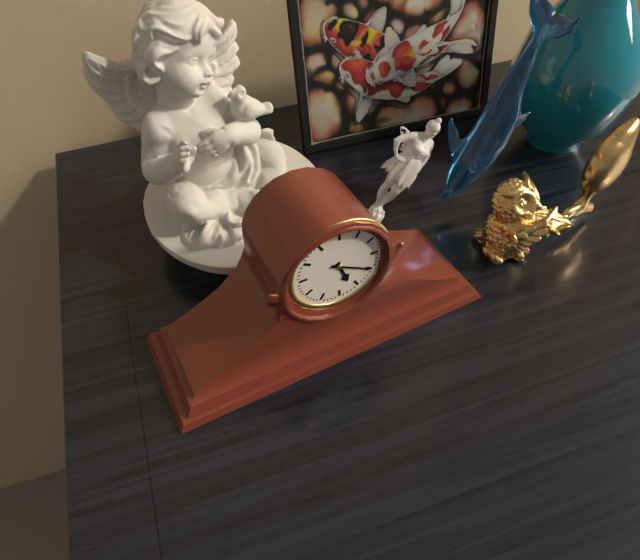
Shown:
5.20
